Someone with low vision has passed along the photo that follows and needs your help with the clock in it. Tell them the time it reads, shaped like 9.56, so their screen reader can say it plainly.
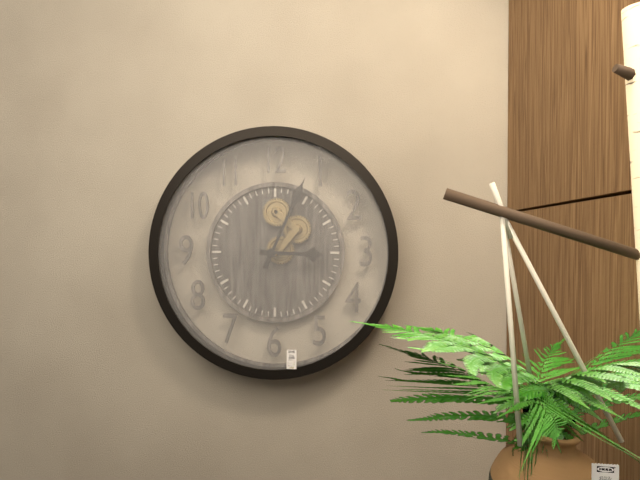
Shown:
3.04
